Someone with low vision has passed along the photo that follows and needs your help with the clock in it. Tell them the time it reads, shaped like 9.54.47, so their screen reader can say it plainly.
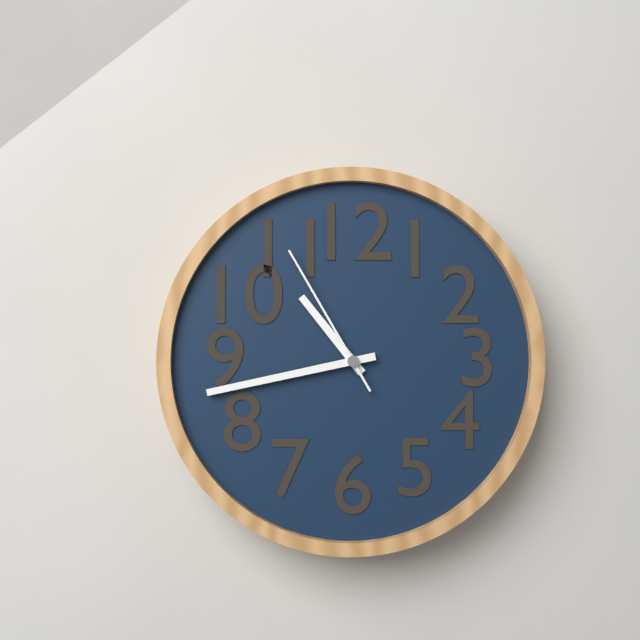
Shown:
10.43.55
